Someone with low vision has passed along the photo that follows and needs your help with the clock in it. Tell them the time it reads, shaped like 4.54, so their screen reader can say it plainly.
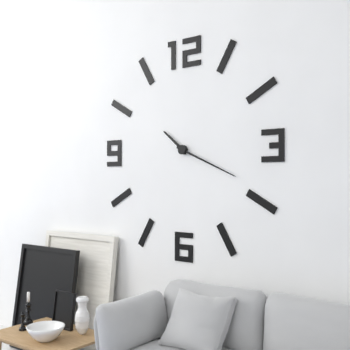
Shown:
10.19
